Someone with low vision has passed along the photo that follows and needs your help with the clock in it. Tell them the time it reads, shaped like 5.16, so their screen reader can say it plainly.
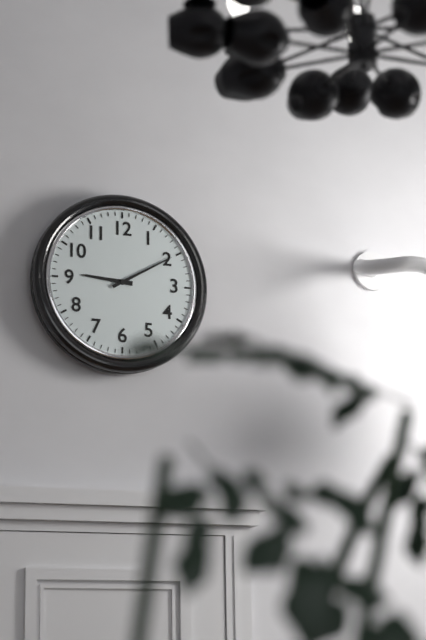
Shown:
9.10
